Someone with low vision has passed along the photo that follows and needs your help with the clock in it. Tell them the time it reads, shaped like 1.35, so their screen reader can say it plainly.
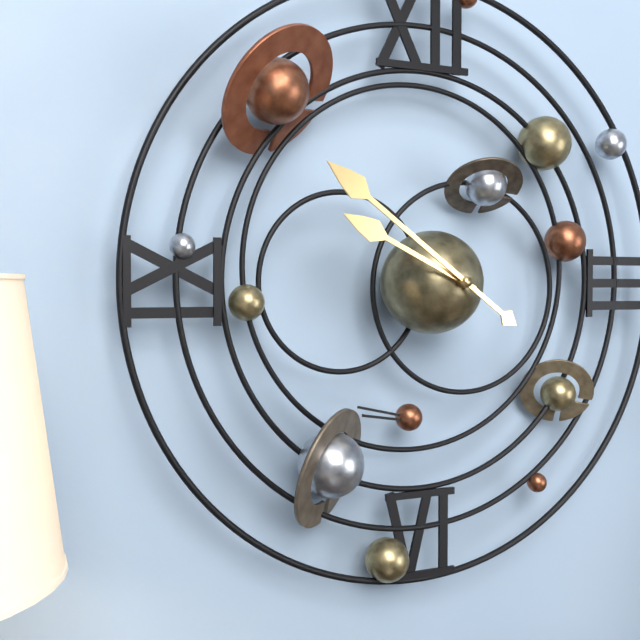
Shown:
9.51
